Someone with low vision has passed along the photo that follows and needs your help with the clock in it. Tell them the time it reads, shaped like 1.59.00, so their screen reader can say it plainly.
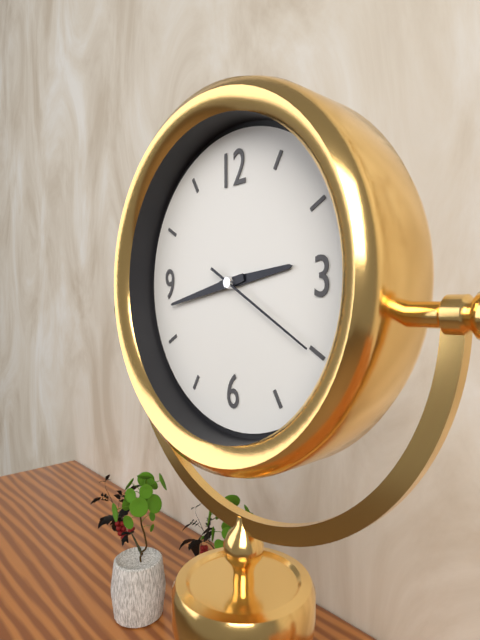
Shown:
2.43.20
